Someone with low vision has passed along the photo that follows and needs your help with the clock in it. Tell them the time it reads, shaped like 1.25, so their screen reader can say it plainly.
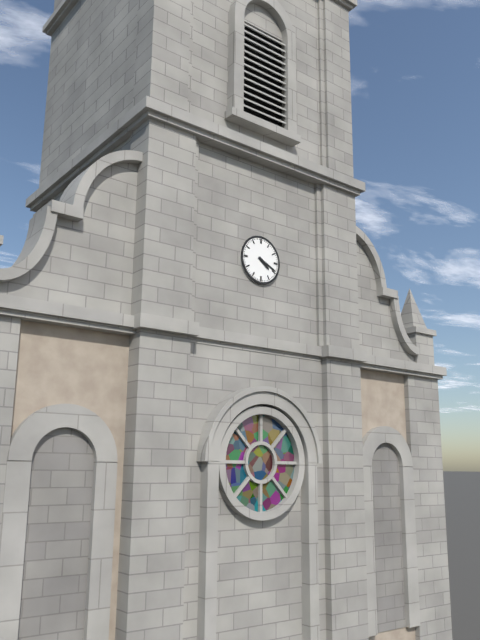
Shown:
4.19
